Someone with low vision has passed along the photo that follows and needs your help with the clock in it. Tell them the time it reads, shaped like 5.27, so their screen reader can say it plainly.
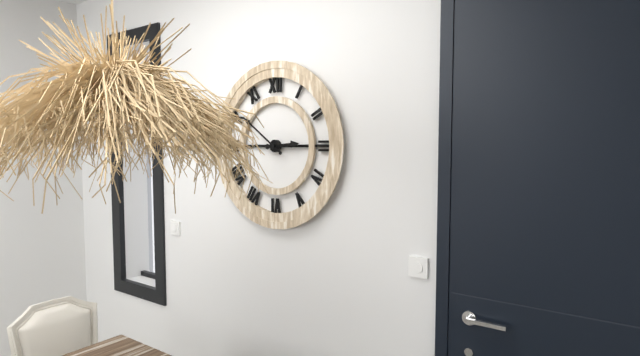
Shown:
2.51
